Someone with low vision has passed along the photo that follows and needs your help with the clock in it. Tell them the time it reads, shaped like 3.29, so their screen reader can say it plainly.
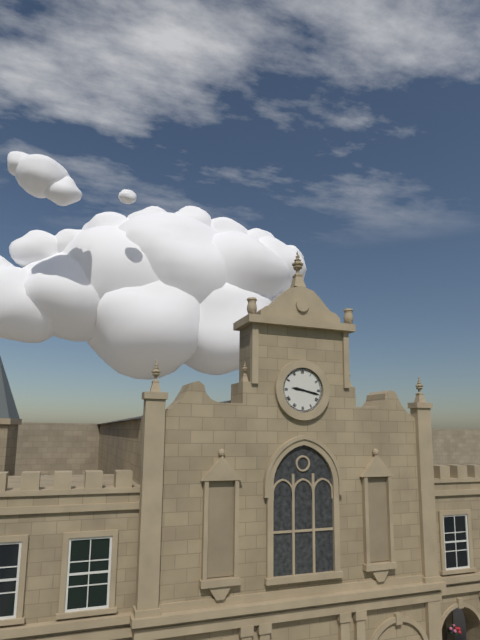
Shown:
9.17
